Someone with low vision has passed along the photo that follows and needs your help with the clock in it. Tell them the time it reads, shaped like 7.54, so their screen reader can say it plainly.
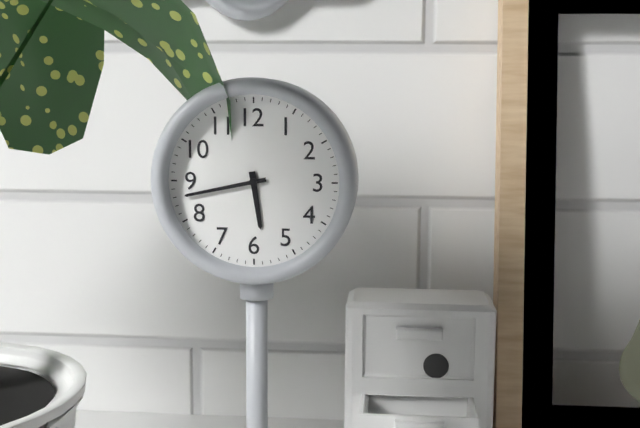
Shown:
5.43
